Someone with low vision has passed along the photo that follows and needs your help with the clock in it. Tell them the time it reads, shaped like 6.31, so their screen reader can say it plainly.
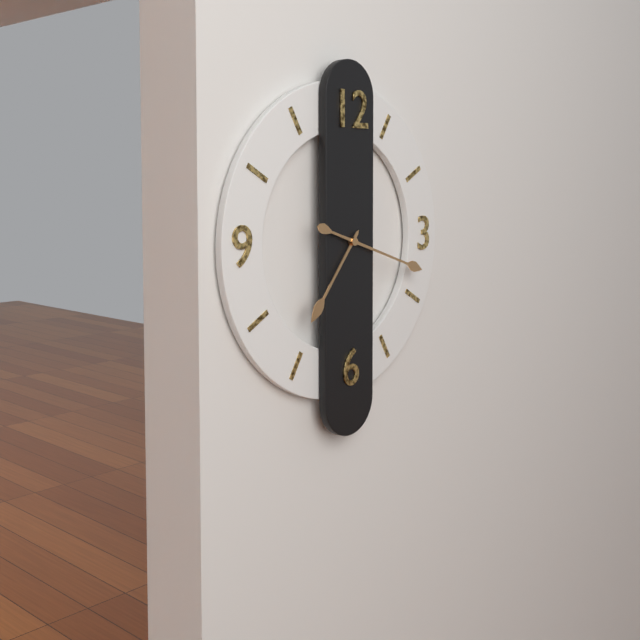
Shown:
7.18
